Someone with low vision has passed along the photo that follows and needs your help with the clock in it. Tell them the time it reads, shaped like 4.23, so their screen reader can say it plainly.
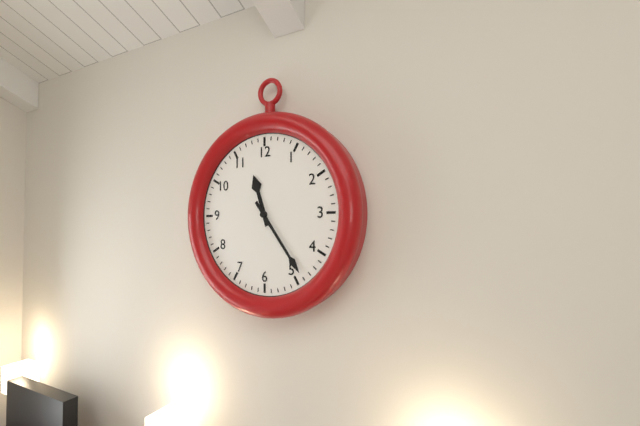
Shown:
11.24
